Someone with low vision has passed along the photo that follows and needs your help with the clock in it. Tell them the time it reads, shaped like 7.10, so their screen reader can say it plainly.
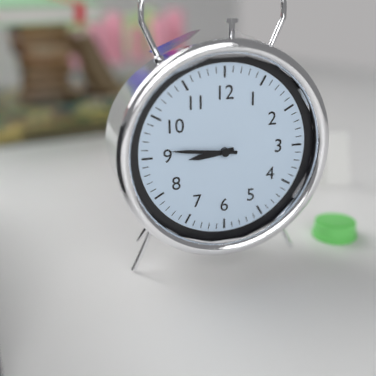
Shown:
8.46
